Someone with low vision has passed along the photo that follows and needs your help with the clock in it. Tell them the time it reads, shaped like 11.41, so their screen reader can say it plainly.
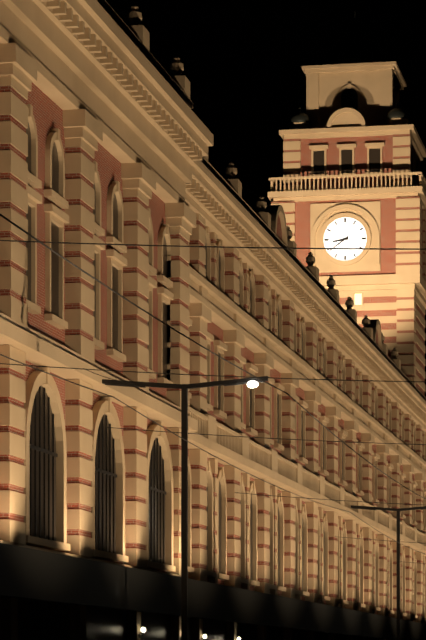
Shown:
8.39
